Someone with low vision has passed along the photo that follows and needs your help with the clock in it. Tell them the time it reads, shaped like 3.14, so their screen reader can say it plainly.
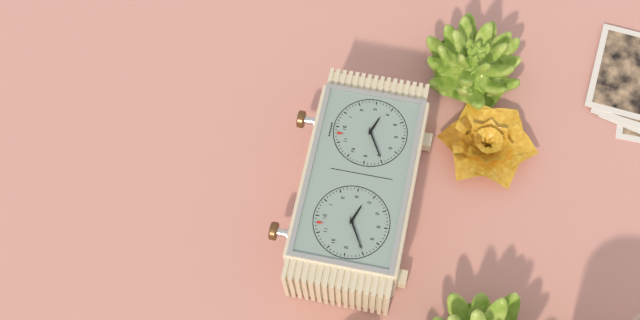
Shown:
3.40
